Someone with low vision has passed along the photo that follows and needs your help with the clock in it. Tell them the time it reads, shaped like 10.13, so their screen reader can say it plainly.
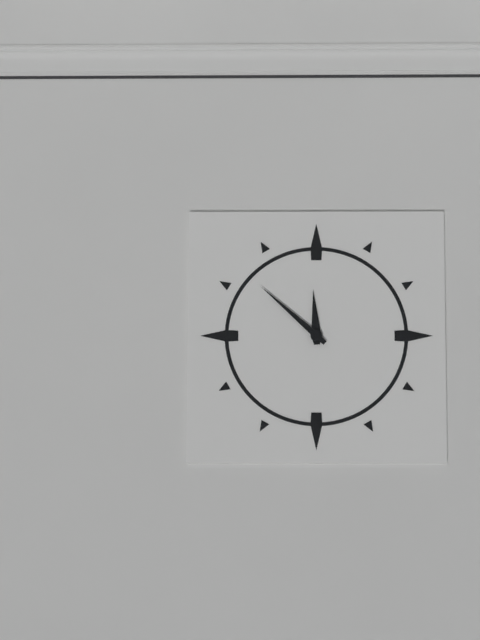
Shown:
11.52
